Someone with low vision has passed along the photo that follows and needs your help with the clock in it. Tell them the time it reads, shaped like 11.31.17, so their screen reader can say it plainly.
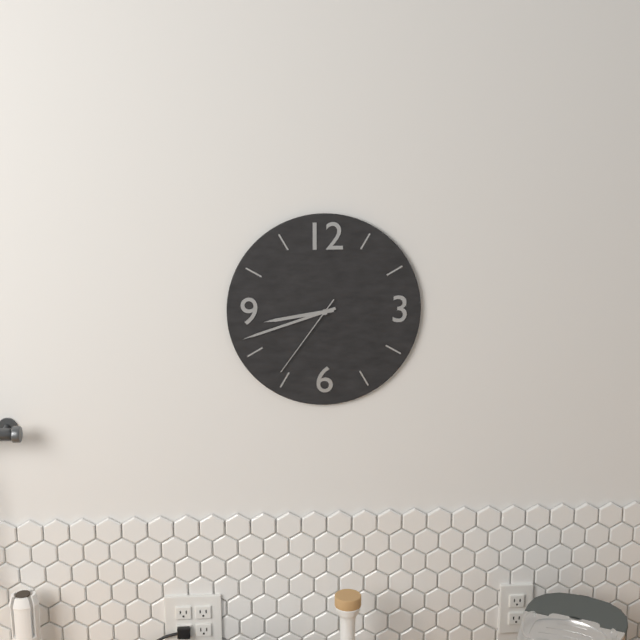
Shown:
8.42.36
